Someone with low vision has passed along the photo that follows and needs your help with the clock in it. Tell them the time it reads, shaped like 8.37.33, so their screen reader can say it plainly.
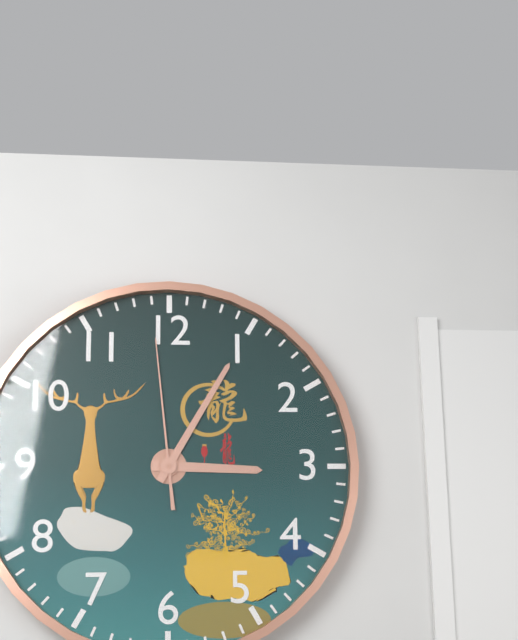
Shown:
3.05.59
